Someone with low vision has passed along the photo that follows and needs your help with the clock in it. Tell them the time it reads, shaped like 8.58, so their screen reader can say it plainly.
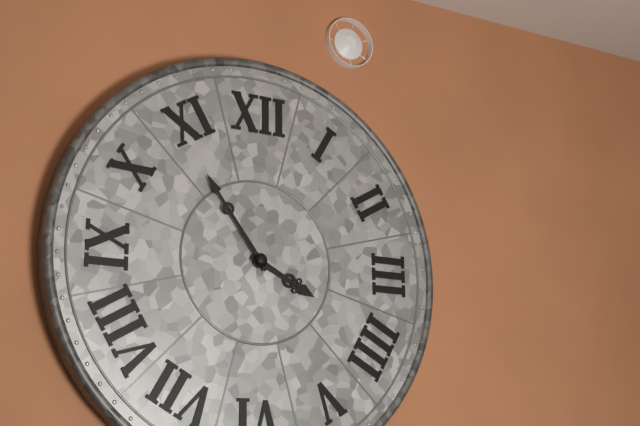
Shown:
3.54
